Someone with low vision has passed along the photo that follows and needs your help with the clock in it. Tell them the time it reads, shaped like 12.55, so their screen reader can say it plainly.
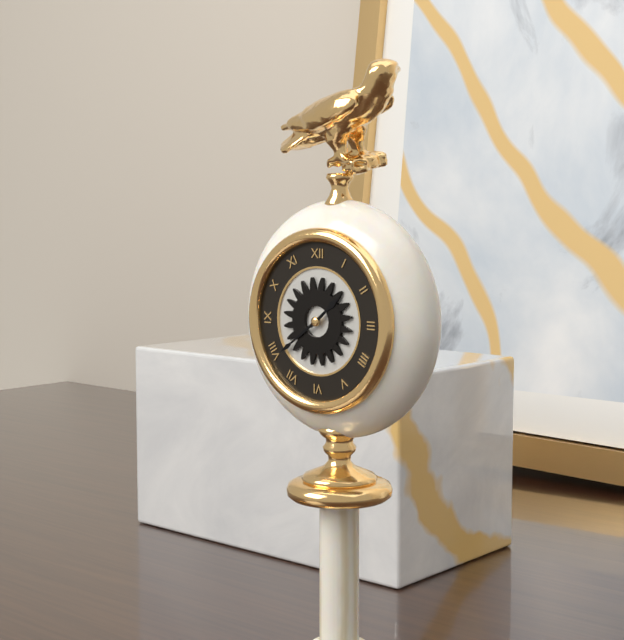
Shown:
1.39
